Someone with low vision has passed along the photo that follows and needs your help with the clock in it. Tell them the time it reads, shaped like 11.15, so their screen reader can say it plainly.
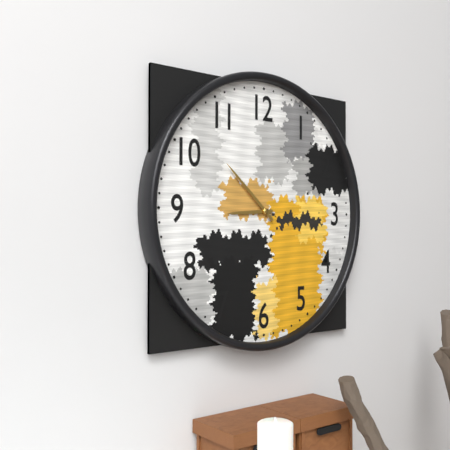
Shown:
8.52
